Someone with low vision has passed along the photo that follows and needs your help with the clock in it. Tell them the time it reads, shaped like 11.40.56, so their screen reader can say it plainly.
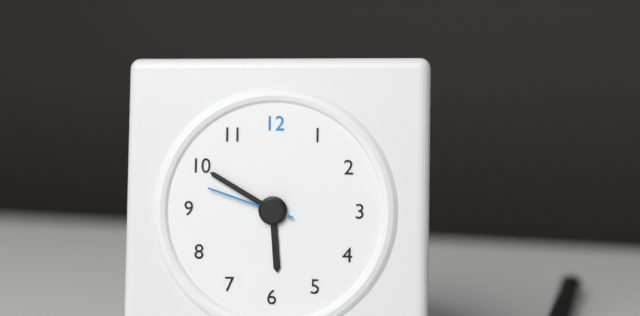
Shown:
5.50.48
